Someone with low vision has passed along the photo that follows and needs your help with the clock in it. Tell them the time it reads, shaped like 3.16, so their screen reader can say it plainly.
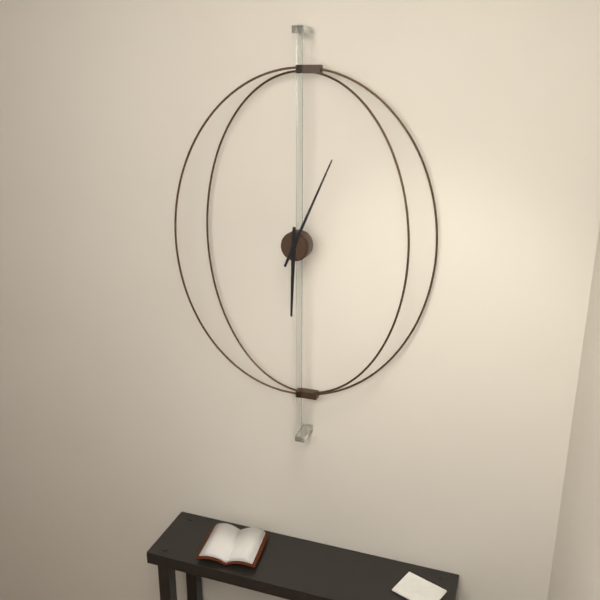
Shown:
6.04
